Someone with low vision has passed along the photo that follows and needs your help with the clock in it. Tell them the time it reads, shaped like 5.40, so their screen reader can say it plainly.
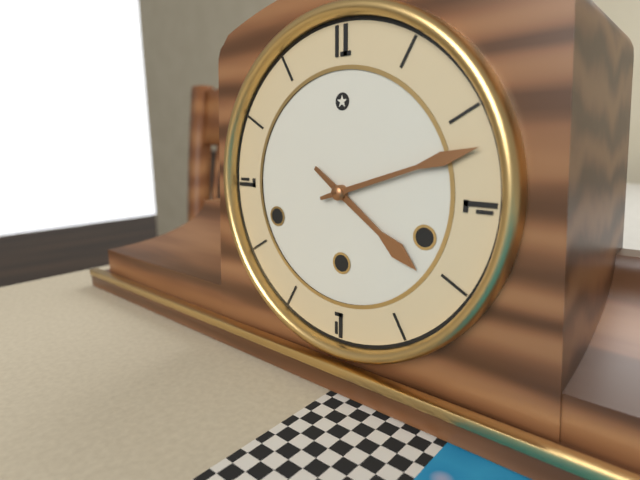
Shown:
4.12
